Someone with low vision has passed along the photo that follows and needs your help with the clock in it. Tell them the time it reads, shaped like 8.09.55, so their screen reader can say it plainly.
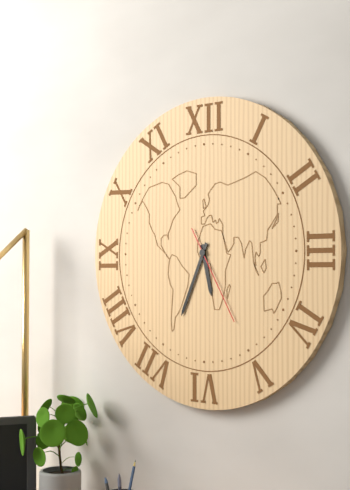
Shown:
5.34.25
